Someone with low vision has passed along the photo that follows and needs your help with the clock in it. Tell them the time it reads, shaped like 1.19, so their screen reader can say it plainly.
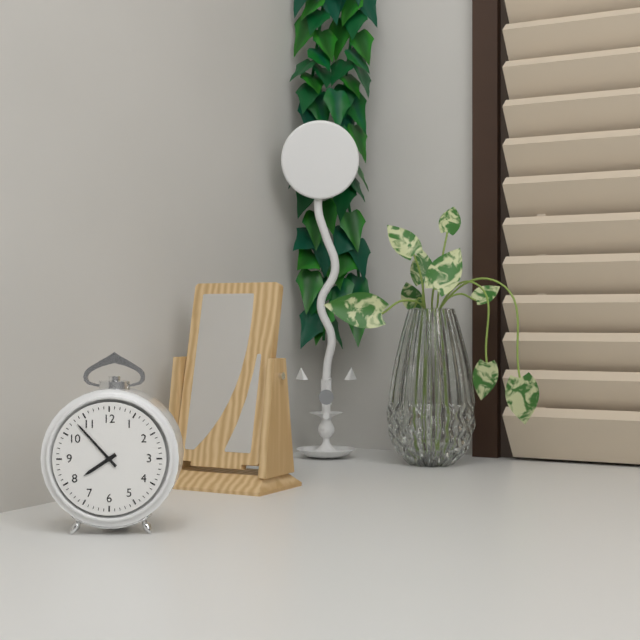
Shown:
7.53
